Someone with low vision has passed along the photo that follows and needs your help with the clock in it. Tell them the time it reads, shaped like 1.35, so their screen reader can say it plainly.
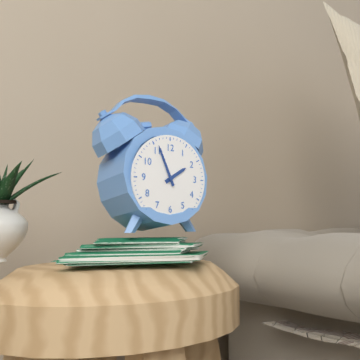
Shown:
1.56
